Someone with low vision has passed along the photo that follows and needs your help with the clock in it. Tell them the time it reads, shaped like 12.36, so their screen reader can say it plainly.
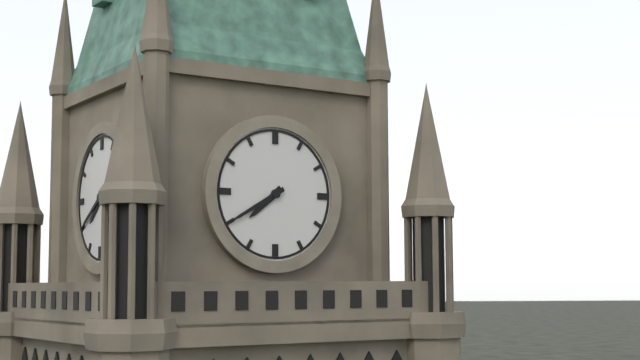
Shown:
7.40
